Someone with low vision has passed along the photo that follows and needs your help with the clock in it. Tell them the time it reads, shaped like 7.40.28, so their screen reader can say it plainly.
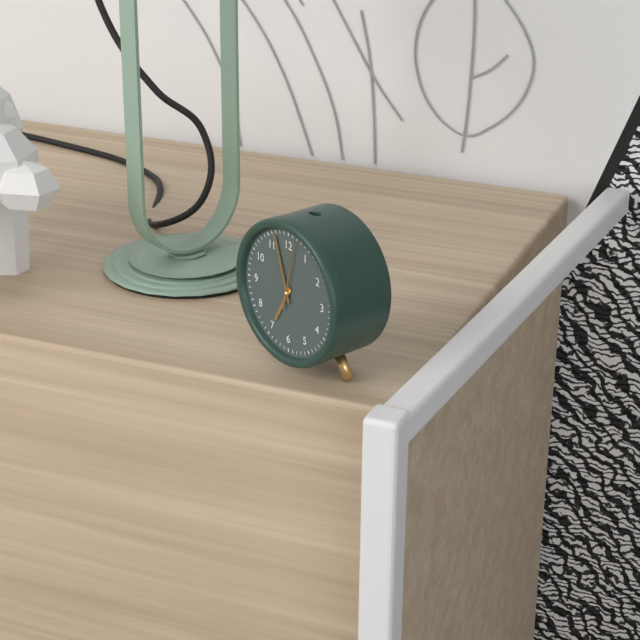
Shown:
6.57.02
